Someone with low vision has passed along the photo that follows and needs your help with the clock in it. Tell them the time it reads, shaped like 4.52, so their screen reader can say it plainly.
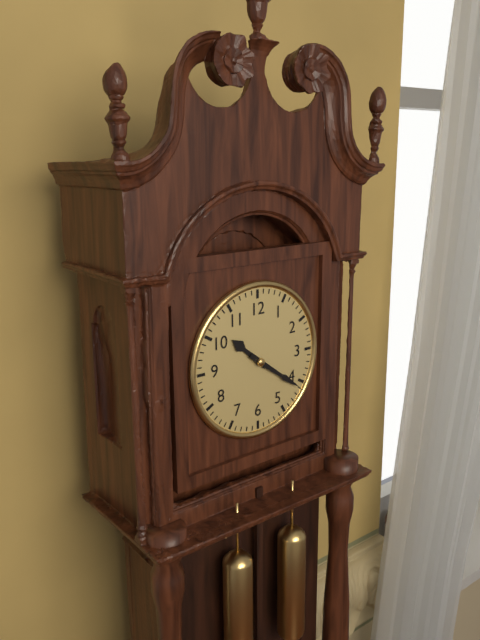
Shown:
10.21
